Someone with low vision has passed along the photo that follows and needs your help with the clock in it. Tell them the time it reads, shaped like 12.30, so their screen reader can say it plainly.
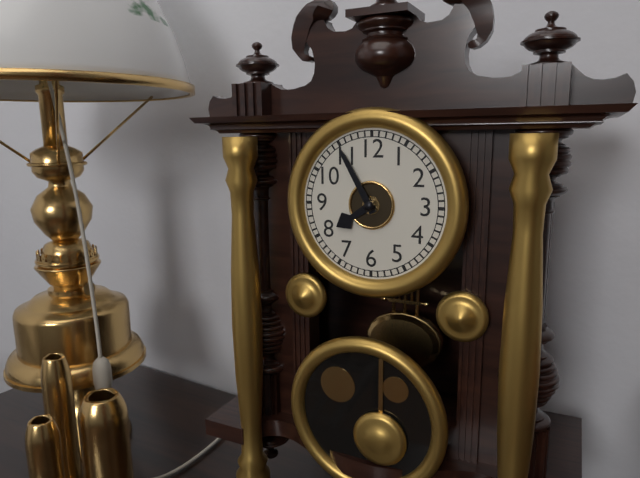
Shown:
7.55
